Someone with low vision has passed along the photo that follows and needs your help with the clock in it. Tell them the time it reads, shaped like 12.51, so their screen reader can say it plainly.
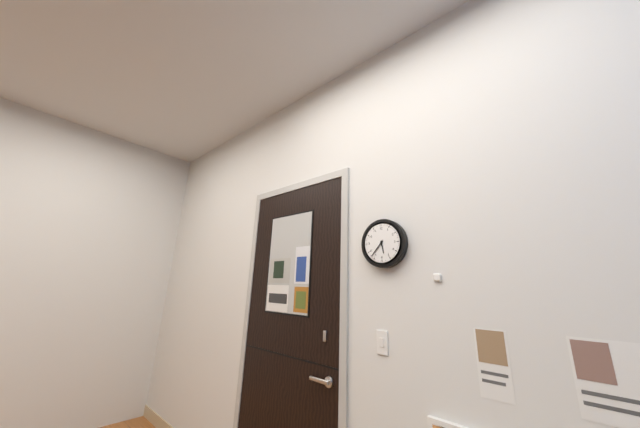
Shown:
5.37
